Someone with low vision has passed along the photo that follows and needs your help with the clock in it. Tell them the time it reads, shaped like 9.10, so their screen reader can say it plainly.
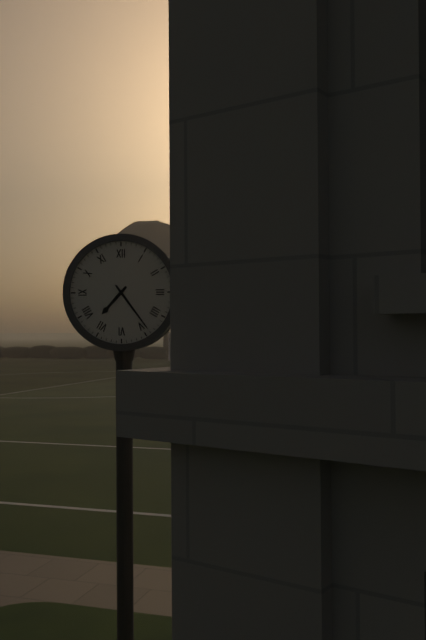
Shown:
7.24
